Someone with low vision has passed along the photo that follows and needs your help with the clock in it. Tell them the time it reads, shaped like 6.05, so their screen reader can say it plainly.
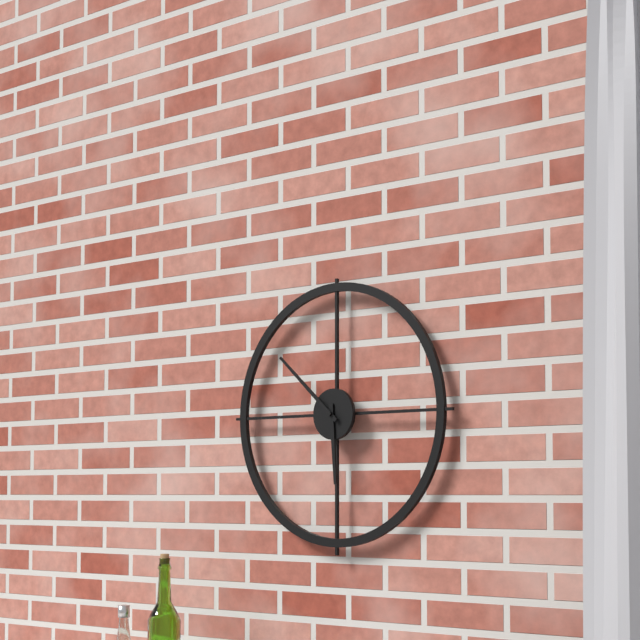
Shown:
5.52
